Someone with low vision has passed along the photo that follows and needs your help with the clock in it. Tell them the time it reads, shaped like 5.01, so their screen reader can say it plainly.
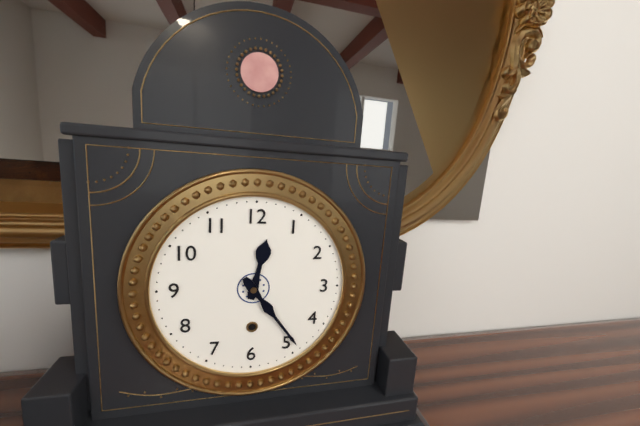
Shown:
12.24
